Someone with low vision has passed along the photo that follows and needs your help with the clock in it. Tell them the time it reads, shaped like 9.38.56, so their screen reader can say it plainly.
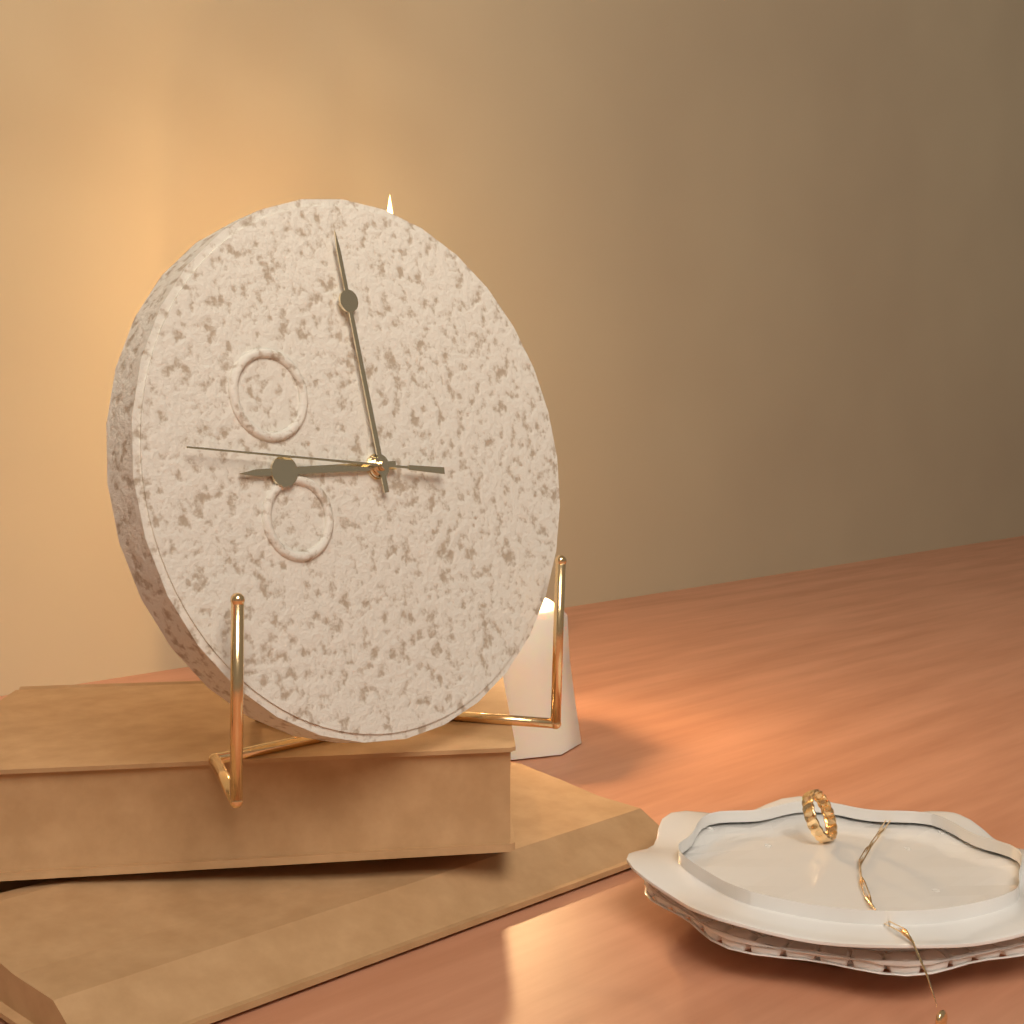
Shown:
8.59.46
